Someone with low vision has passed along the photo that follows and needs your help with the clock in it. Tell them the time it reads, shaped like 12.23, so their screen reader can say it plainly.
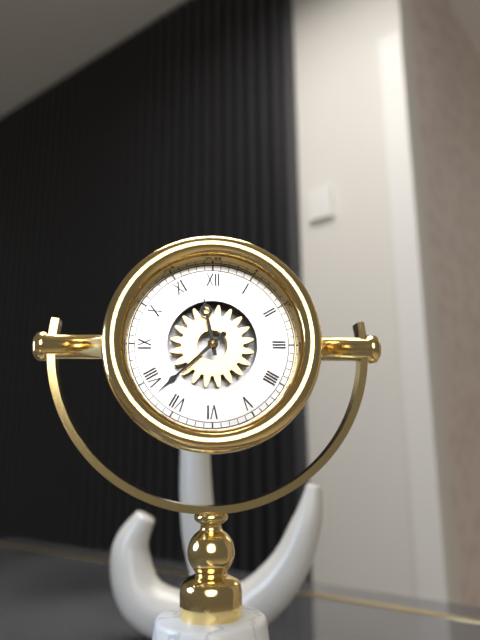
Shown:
11.38
